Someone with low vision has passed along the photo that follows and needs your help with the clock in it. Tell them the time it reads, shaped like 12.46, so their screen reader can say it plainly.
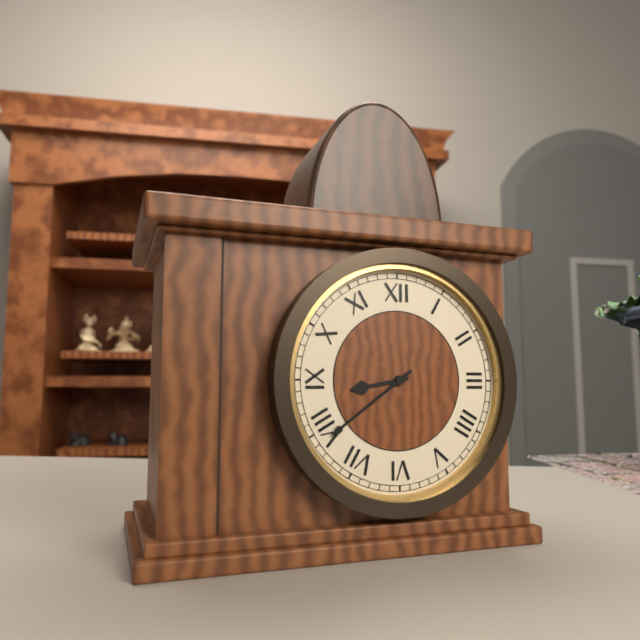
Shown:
8.39
